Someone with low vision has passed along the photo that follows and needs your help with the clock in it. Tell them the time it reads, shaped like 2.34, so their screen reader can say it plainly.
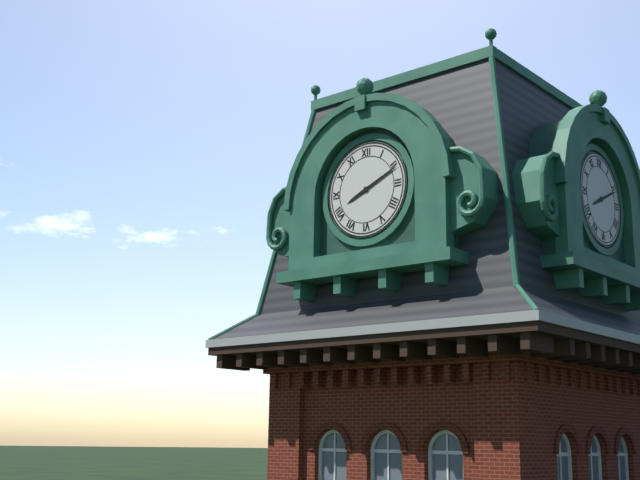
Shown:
8.11
